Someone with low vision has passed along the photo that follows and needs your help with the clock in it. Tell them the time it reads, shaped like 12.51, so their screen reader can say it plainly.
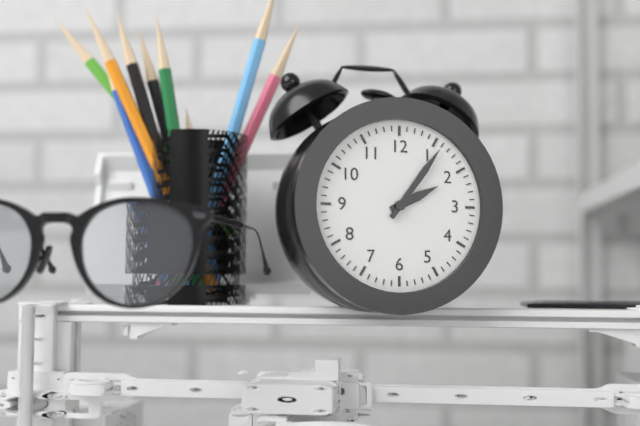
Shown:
2.06
